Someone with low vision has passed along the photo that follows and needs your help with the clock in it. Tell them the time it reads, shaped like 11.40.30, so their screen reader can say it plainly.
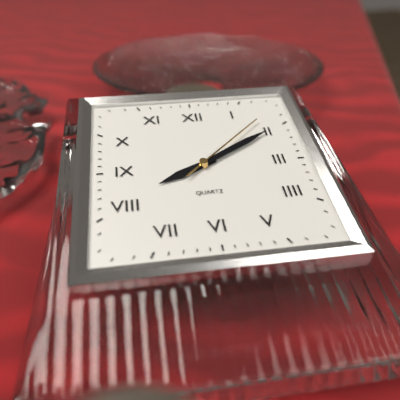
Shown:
8.10.08
